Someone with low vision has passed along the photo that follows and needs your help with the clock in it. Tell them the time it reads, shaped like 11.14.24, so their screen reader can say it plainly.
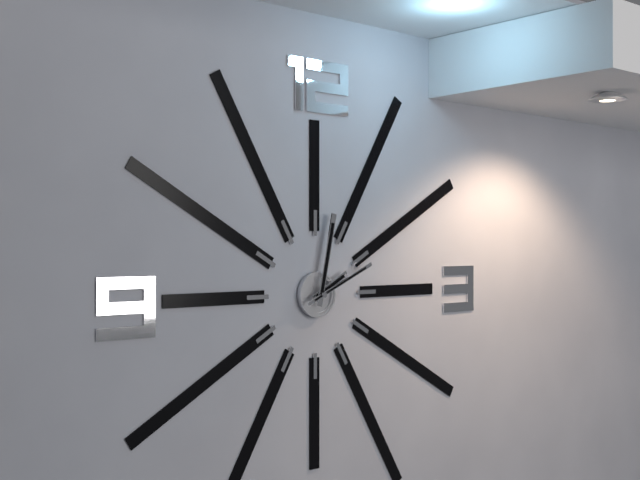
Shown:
2.02.11
